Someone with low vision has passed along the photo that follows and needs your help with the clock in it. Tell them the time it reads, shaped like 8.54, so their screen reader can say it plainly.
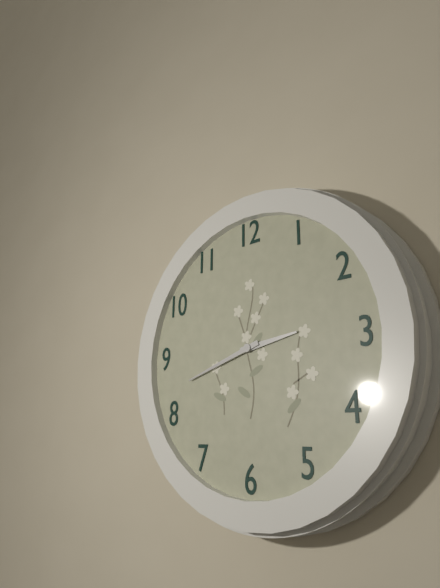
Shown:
2.42
